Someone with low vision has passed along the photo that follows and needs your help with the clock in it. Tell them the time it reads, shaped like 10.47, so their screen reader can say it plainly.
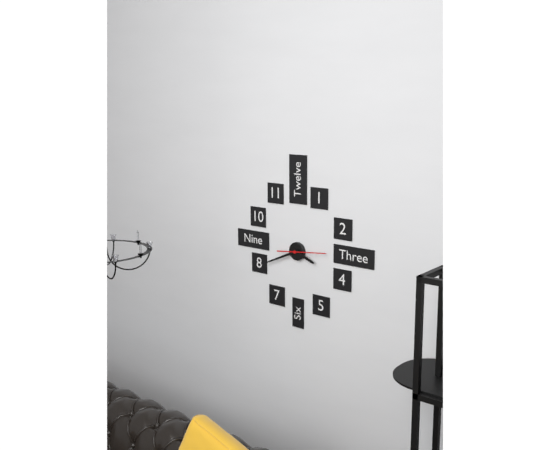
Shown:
3.41
